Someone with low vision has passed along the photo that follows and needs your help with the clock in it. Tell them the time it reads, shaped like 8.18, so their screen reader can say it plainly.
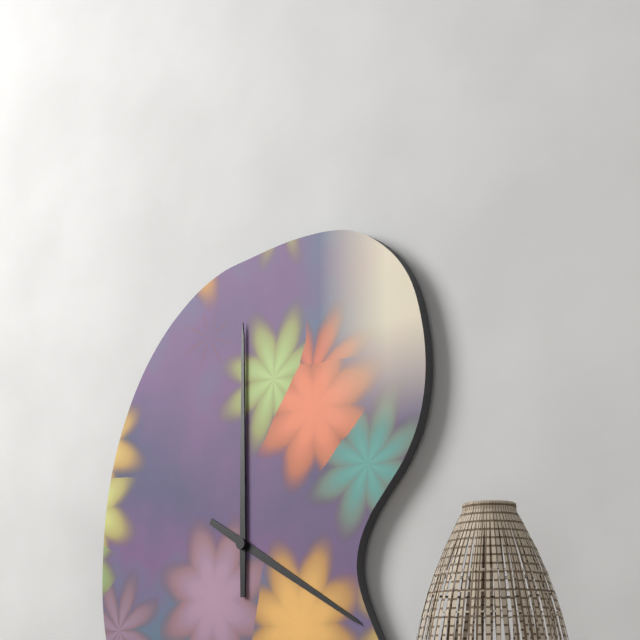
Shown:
4.00
